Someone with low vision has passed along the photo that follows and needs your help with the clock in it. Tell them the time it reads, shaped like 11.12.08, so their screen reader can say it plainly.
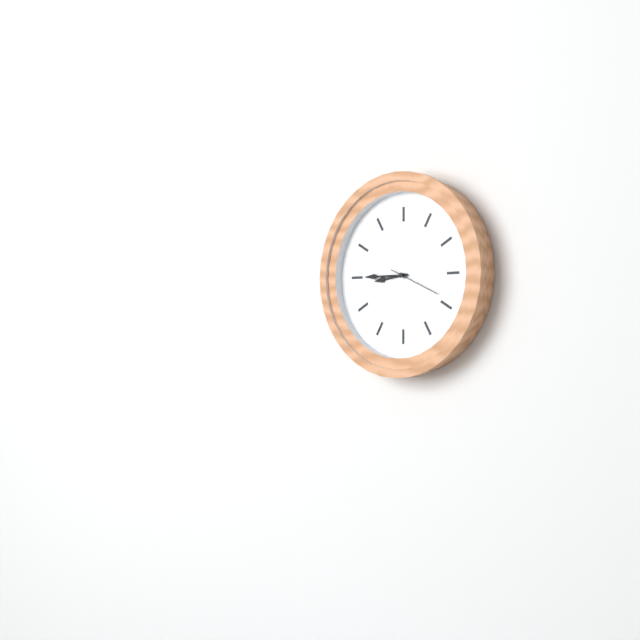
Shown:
8.45.19
